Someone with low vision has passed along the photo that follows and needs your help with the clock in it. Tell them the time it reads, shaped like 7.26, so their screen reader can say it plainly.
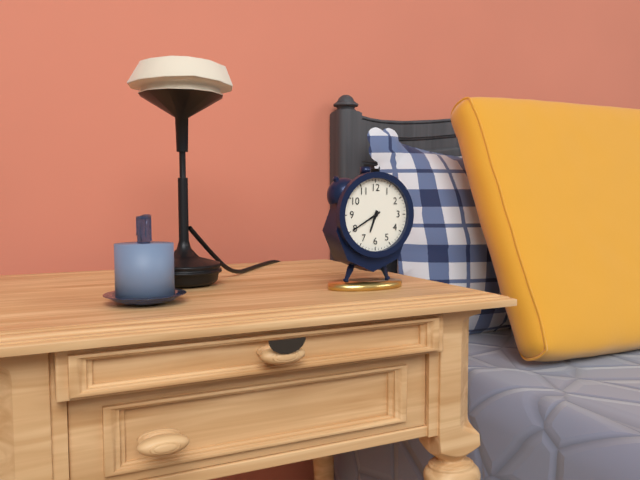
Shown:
6.40
